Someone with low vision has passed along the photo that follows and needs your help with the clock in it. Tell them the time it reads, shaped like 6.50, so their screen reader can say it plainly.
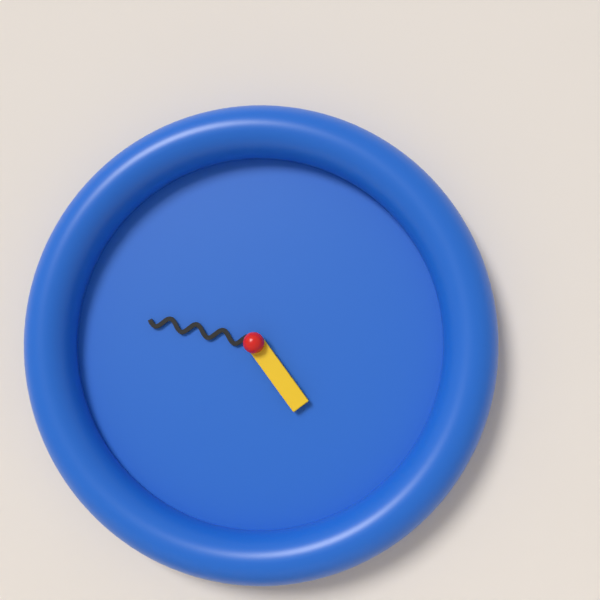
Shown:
4.47
